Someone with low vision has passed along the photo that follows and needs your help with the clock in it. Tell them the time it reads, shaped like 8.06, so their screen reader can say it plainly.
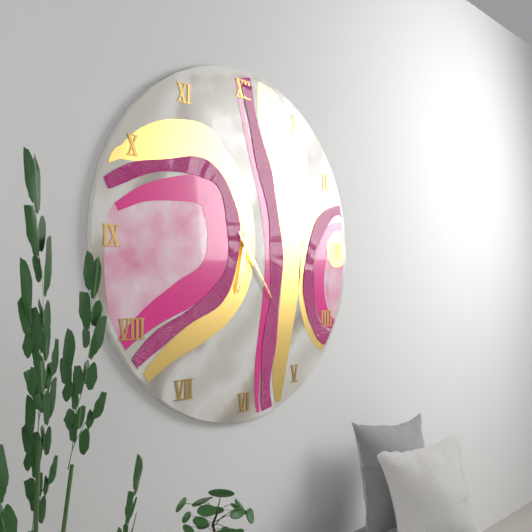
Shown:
6.24
